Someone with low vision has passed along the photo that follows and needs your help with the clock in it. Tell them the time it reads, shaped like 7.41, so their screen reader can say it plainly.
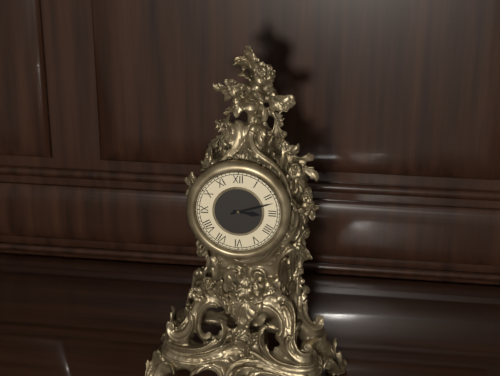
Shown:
3.12
